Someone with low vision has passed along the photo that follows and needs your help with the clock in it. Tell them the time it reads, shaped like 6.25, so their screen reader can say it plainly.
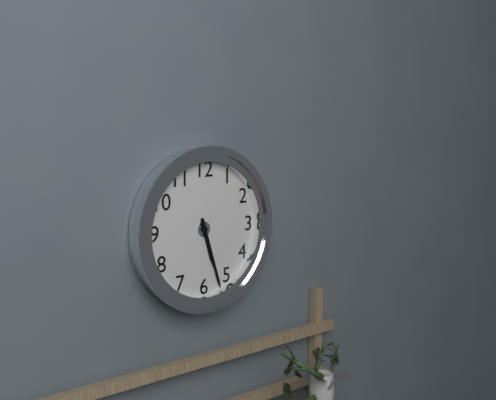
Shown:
5.27
